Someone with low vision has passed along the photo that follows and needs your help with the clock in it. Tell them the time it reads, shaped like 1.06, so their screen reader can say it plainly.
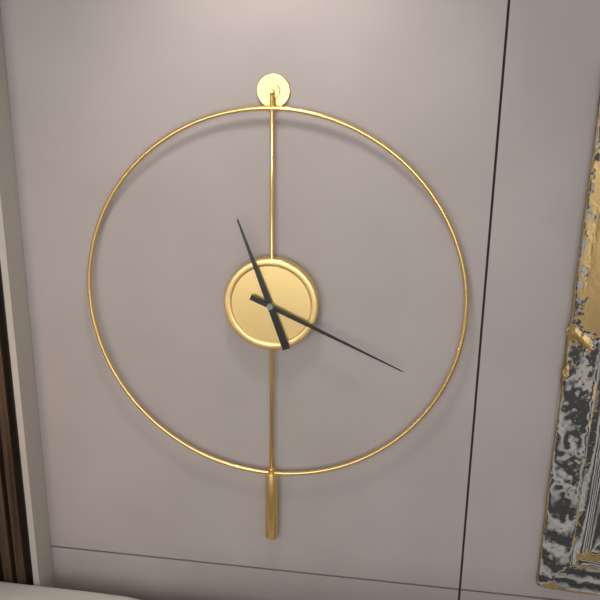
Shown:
11.19
